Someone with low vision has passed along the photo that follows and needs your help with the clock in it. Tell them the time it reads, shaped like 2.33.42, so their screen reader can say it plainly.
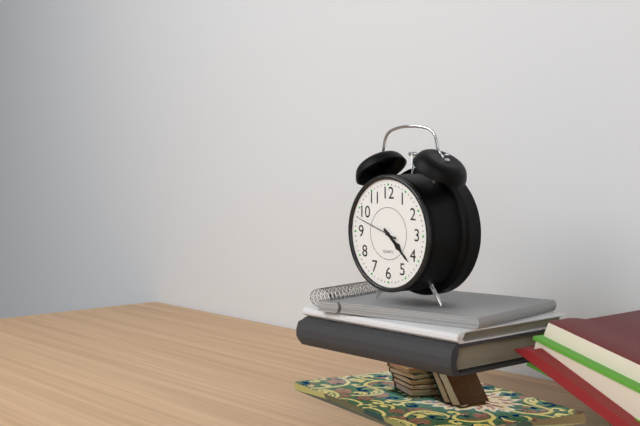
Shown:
4.22.48
